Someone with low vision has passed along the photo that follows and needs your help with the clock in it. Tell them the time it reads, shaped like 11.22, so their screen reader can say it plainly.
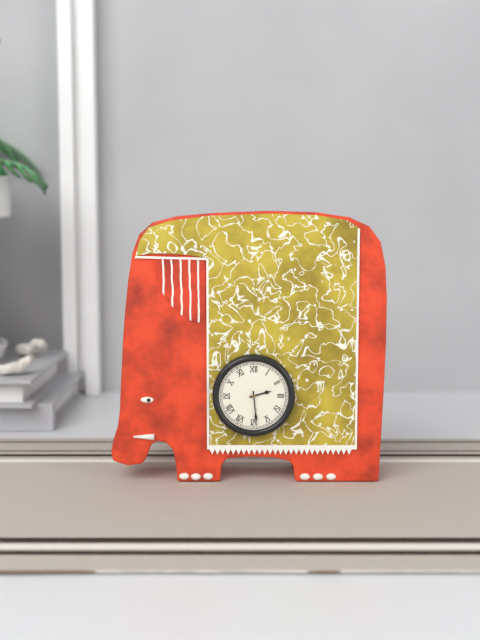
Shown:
2.29
